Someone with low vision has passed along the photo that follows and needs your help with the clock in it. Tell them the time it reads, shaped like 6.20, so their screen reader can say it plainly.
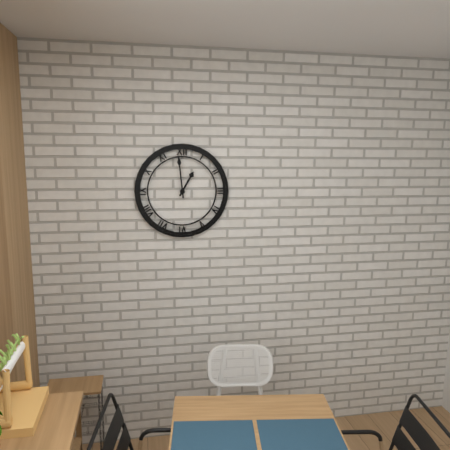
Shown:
12.59
